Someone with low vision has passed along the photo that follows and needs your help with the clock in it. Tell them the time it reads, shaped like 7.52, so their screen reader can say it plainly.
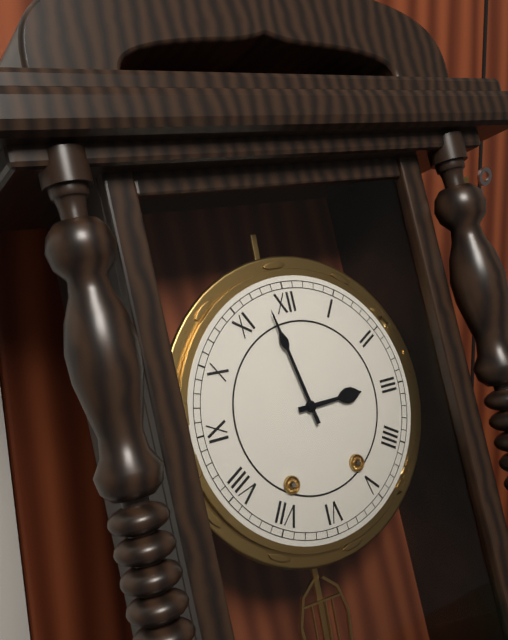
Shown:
2.58
